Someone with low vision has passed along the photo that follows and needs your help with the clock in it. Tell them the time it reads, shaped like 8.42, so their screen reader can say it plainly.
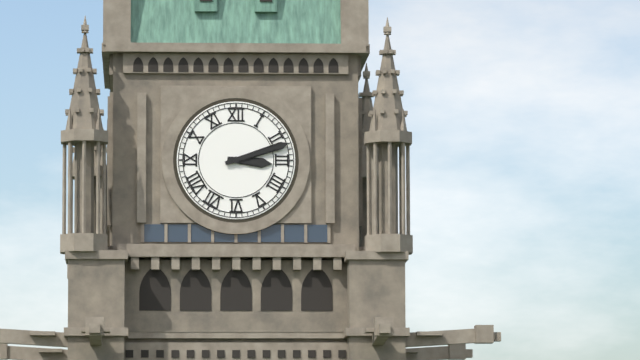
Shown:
3.12
